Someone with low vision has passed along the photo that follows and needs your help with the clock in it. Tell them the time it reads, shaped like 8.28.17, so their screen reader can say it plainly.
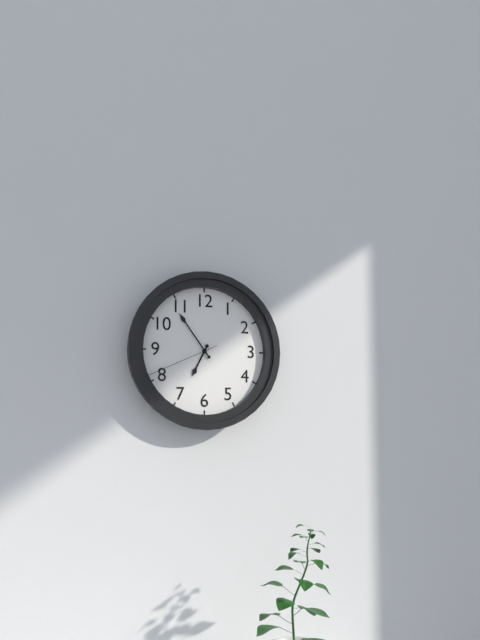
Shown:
6.54.41
